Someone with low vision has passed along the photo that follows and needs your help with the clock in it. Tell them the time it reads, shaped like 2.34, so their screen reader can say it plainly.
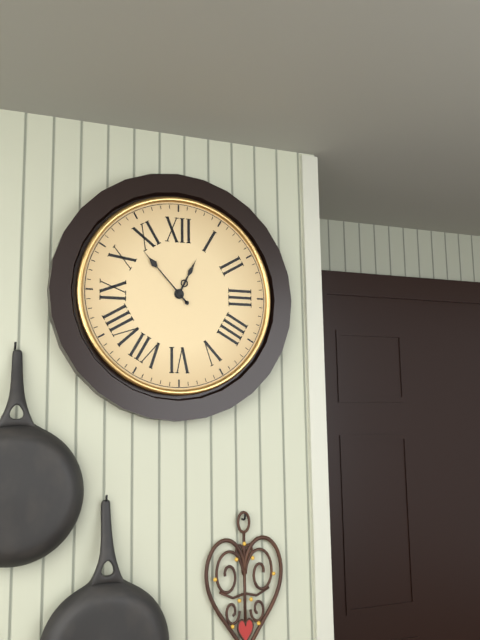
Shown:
12.53
